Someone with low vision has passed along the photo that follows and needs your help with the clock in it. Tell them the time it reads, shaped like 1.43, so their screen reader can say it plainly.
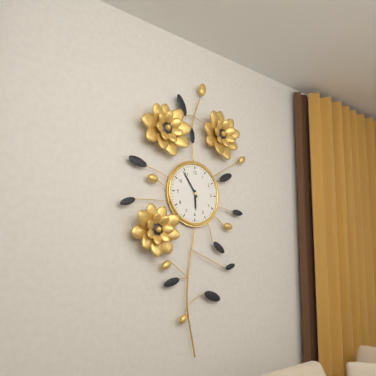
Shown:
5.54
